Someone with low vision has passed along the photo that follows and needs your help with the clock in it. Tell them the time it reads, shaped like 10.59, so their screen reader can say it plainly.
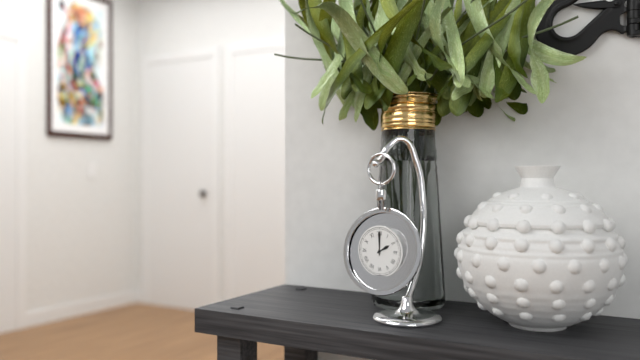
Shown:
2.00
